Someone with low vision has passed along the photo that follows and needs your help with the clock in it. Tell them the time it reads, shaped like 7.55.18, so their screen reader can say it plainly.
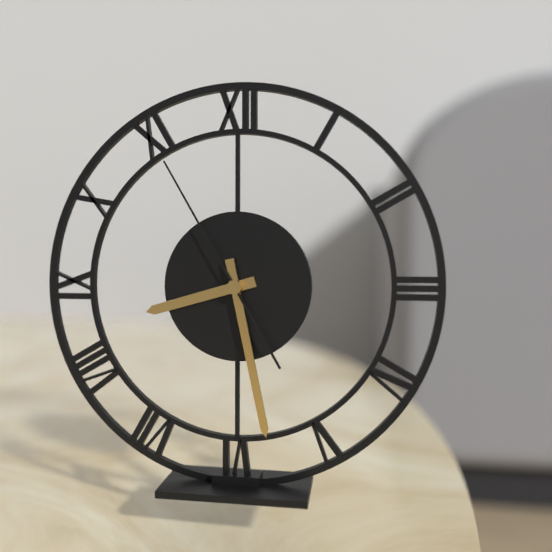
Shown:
8.28.55
